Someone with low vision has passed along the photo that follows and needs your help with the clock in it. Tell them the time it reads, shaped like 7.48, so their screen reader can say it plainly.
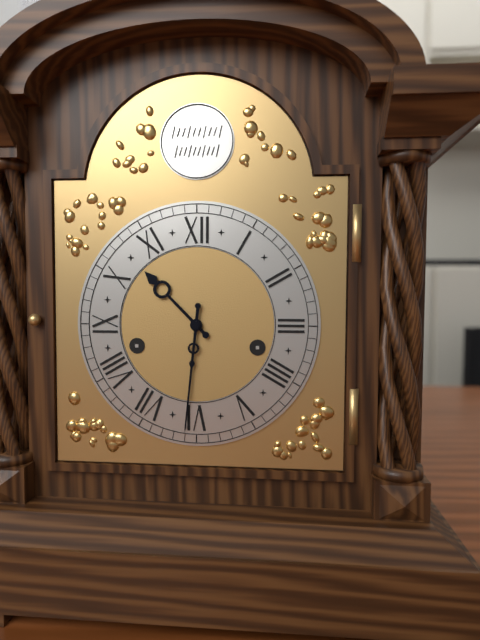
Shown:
10.31
